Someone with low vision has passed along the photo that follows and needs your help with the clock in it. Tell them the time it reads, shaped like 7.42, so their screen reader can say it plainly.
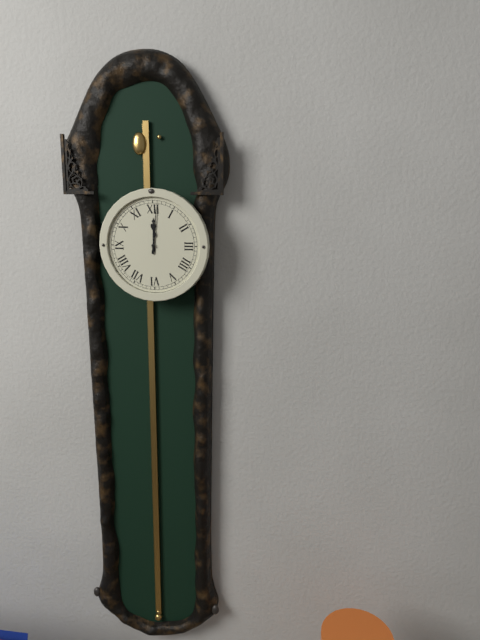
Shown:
12.01
